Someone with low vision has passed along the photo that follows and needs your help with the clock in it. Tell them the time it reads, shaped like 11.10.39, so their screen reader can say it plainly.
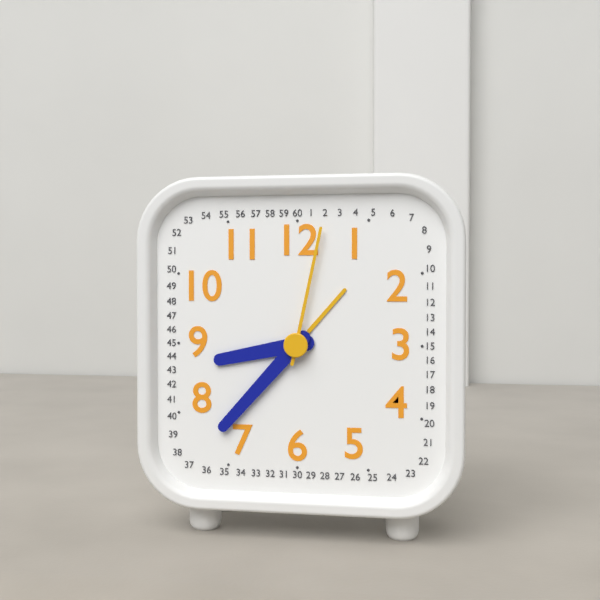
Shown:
8.37.02
